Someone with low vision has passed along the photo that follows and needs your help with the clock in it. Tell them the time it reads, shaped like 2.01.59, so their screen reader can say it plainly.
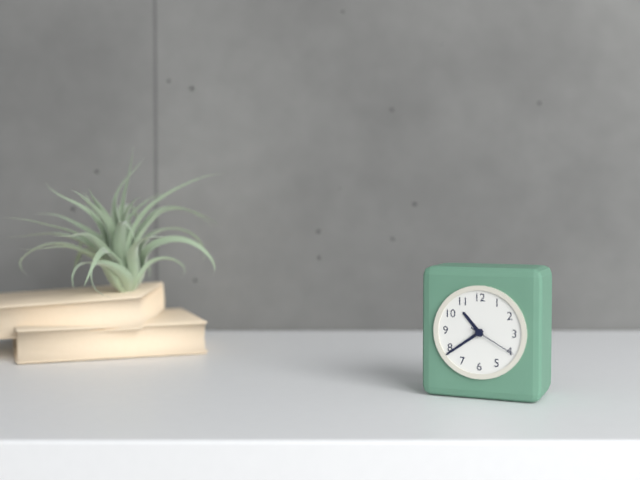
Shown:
10.39.20
